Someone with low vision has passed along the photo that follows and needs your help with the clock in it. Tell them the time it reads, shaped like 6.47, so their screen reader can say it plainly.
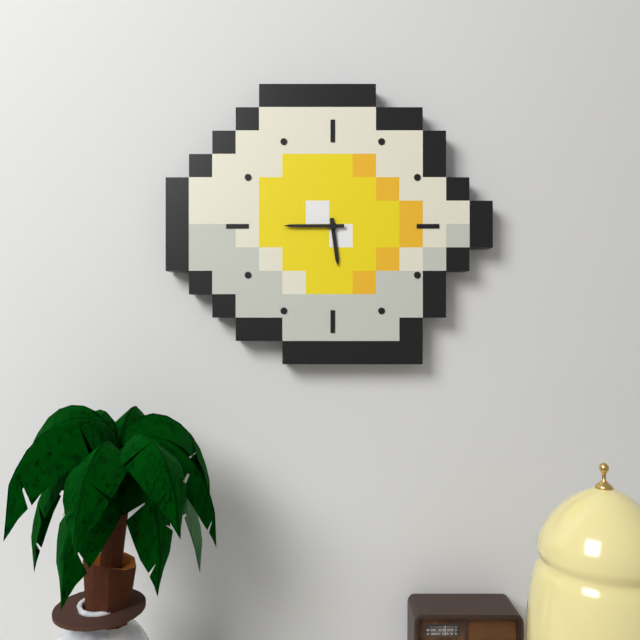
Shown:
5.45
